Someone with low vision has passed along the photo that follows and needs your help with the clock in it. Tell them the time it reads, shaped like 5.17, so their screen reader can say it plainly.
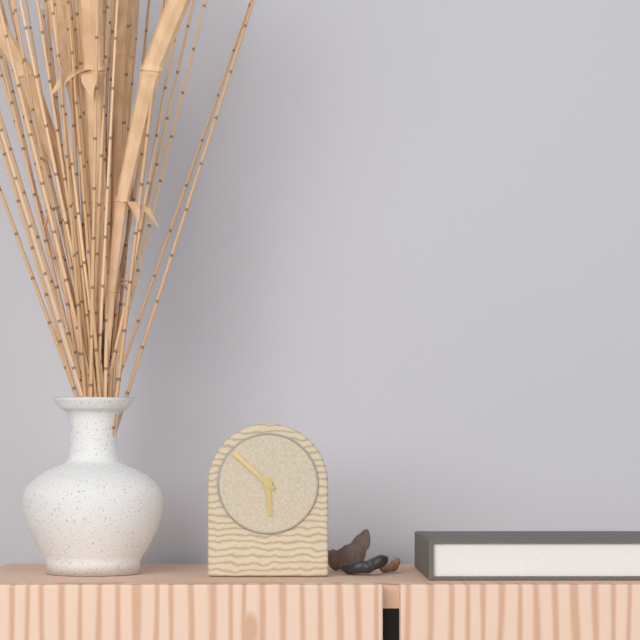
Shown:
5.52
